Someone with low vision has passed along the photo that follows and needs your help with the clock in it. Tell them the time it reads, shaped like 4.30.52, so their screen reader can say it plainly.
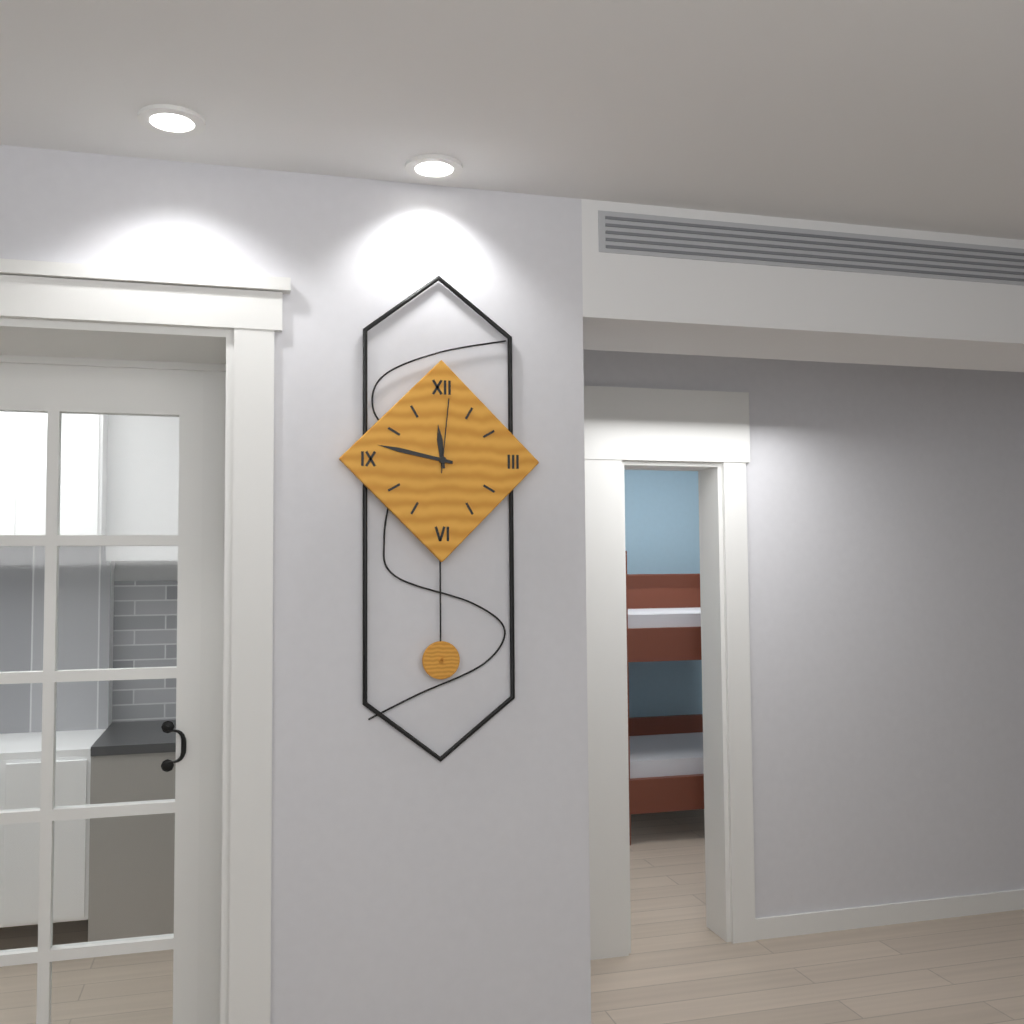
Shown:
11.47.01
